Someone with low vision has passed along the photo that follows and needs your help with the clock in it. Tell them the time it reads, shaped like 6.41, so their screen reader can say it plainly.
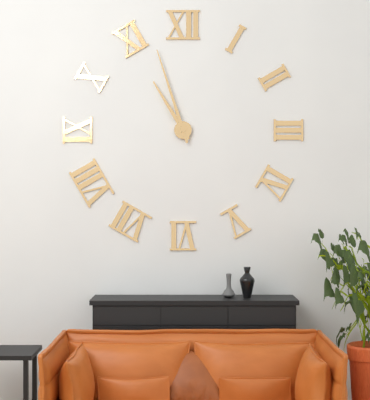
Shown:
10.57
